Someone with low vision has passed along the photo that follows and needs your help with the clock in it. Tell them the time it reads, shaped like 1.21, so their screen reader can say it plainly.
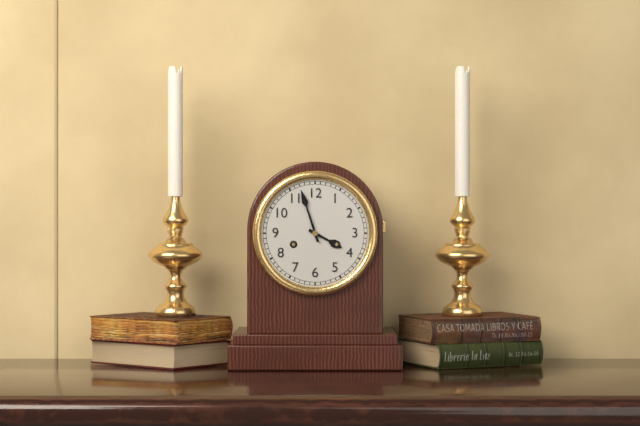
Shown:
3.57
